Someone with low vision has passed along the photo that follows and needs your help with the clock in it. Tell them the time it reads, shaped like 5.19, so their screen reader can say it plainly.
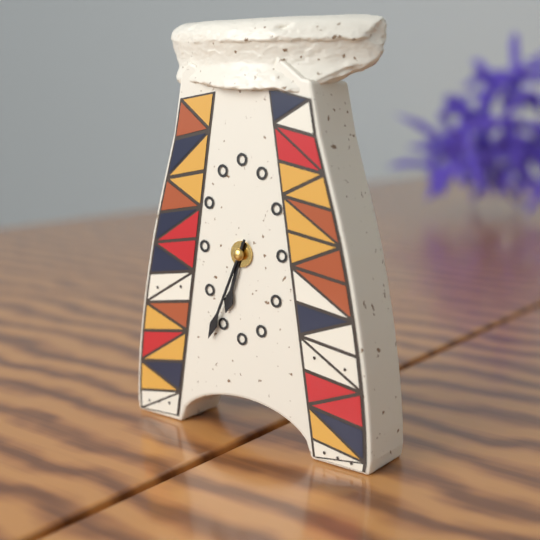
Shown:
6.34
